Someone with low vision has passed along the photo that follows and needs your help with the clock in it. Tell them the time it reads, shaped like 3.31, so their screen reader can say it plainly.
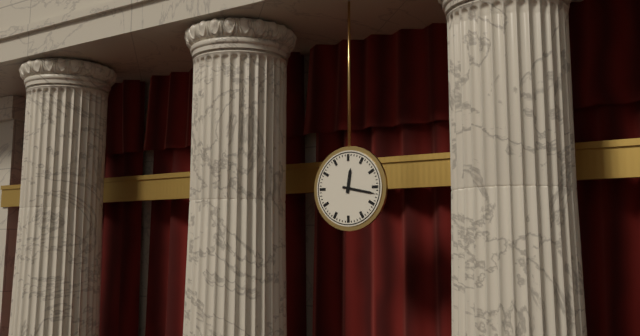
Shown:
12.17
